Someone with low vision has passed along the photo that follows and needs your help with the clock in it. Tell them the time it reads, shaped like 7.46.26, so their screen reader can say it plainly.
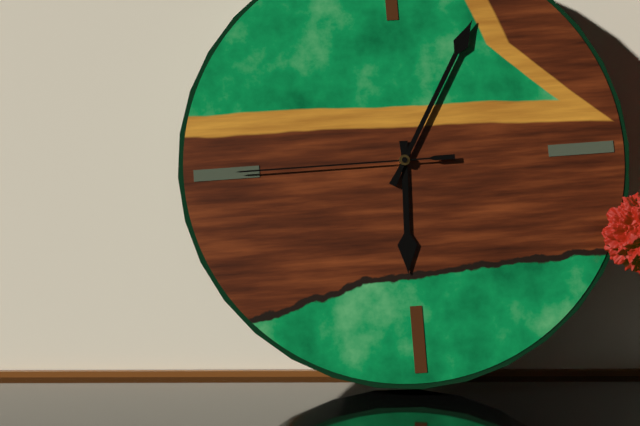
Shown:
6.05.45
